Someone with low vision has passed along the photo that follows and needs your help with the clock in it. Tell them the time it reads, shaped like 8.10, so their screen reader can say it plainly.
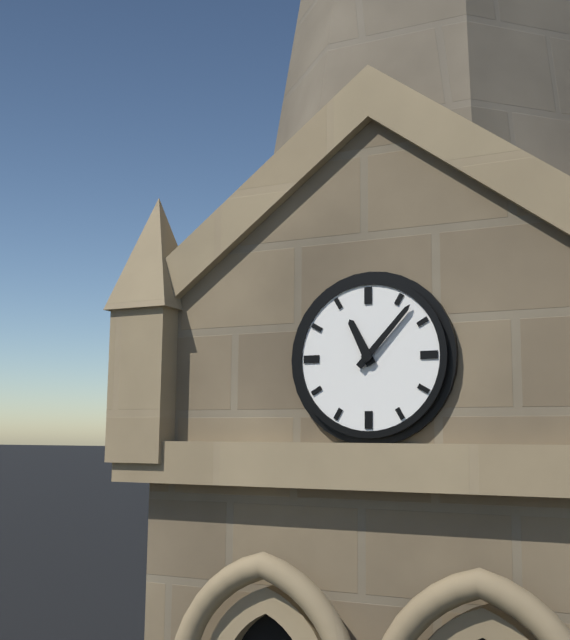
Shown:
11.07
